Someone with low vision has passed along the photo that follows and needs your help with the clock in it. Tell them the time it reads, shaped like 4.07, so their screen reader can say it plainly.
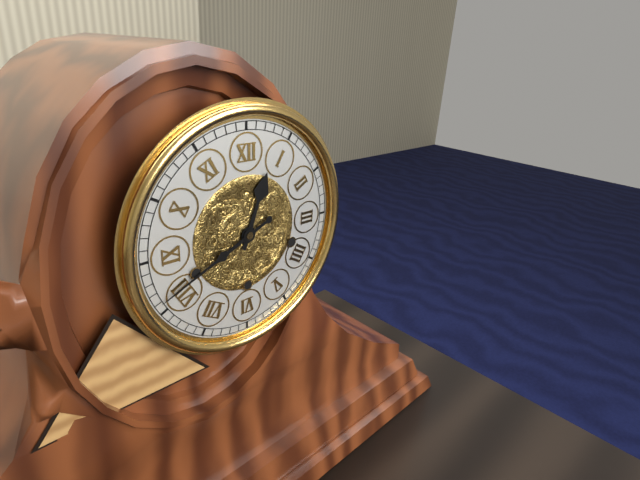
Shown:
12.41
